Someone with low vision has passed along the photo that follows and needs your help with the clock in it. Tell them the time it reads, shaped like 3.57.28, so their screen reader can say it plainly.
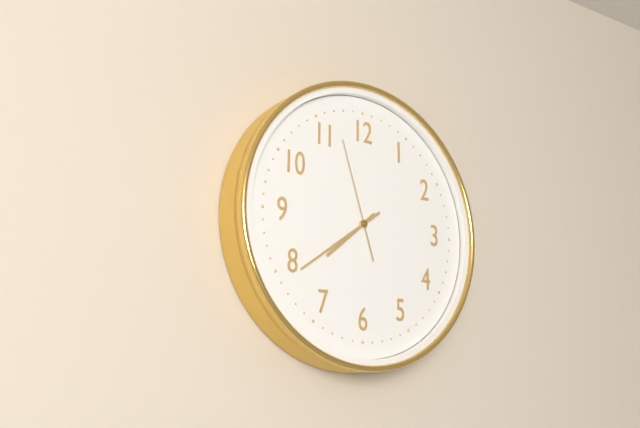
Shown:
7.39.57
